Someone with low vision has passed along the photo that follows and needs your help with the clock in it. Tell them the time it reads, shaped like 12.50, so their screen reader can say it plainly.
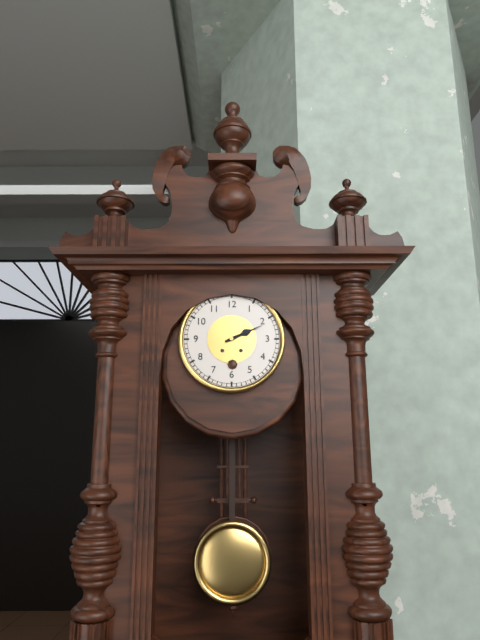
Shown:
2.11
